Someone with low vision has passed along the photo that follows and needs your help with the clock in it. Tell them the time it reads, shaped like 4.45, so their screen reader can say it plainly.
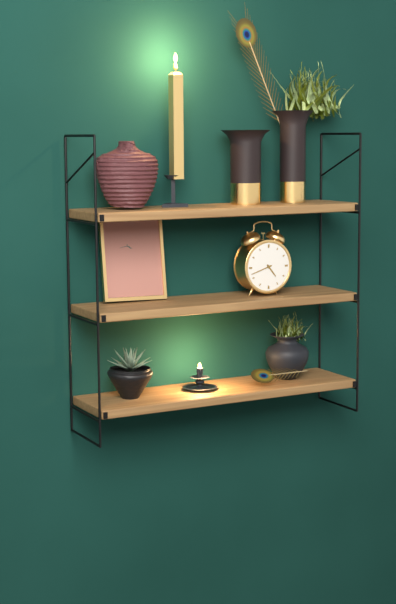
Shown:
4.42
